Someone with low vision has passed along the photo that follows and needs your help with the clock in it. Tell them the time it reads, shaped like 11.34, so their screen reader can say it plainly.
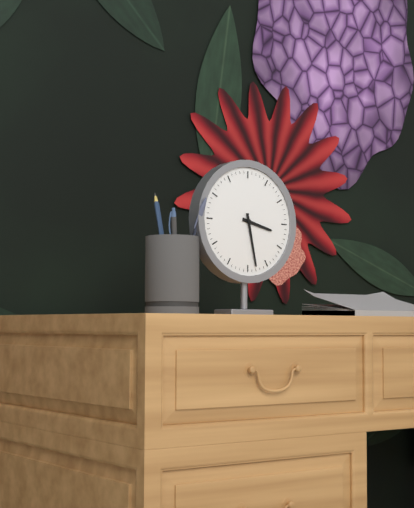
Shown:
3.28
